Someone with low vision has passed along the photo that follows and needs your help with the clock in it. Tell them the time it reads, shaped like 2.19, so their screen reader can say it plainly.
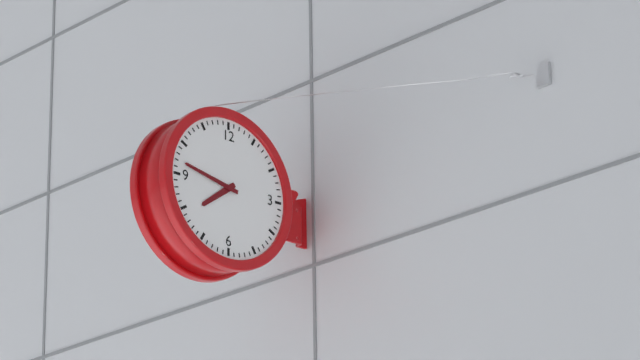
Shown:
7.47
